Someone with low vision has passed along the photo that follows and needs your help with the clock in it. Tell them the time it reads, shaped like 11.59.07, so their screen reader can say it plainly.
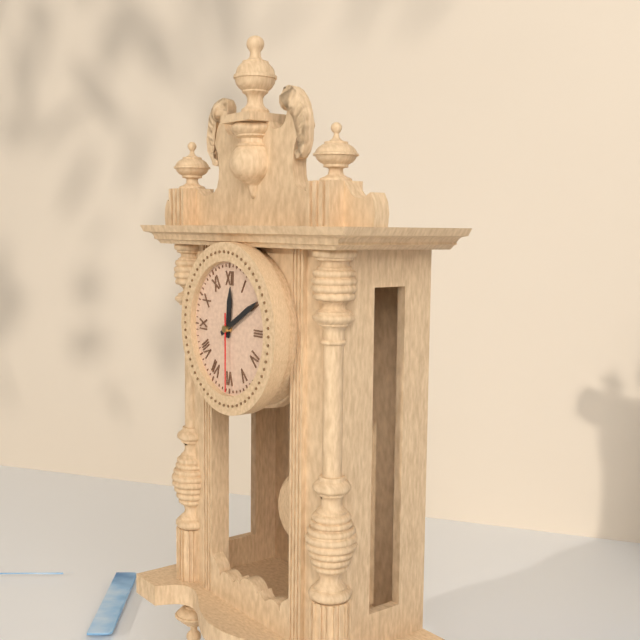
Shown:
12.10.30
